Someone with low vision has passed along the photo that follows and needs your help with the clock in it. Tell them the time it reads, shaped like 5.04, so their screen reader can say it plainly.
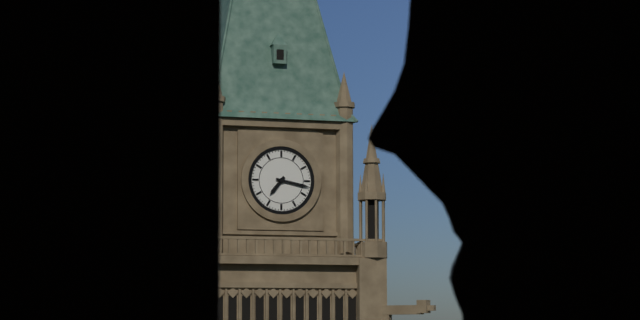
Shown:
7.17
